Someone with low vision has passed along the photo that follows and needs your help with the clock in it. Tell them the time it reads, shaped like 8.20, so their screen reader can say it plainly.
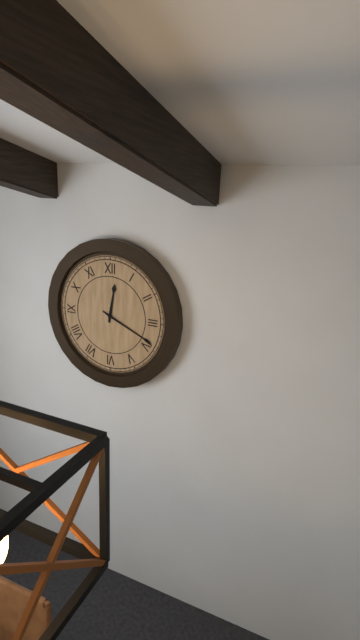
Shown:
12.19
